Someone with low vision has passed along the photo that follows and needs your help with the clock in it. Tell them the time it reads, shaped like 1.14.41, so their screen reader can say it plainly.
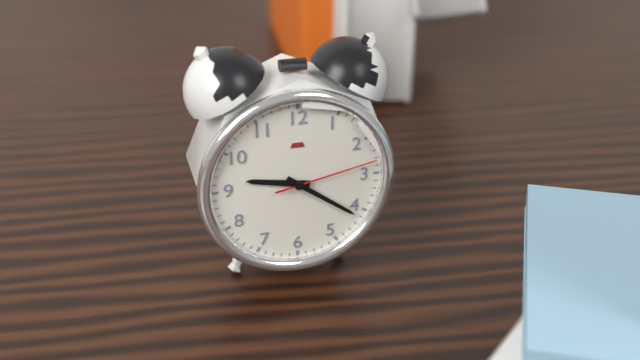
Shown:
9.21.13
